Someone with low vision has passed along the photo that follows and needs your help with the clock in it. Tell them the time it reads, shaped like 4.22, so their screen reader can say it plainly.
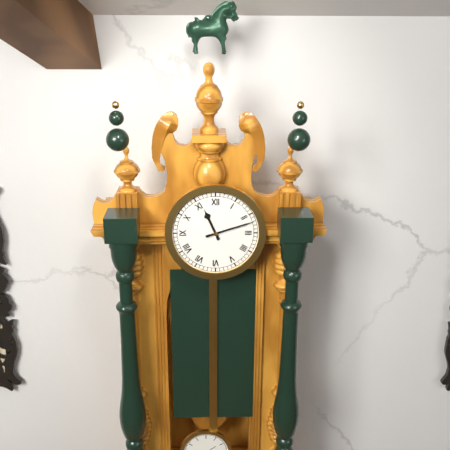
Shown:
11.12
